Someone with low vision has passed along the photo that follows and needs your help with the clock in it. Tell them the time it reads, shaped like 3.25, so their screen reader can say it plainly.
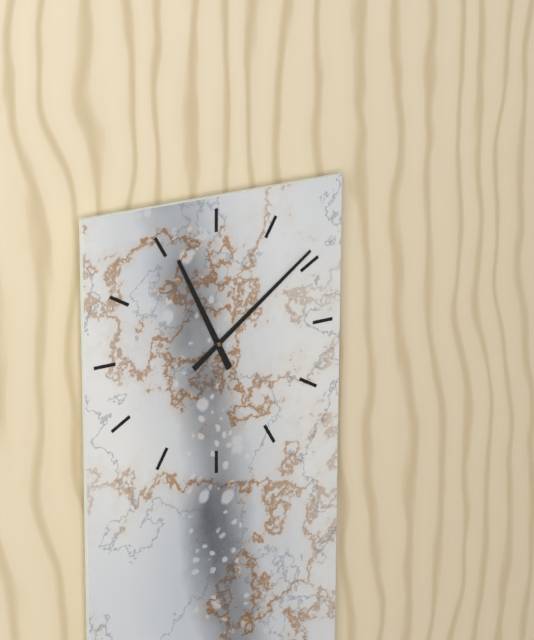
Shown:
11.09
